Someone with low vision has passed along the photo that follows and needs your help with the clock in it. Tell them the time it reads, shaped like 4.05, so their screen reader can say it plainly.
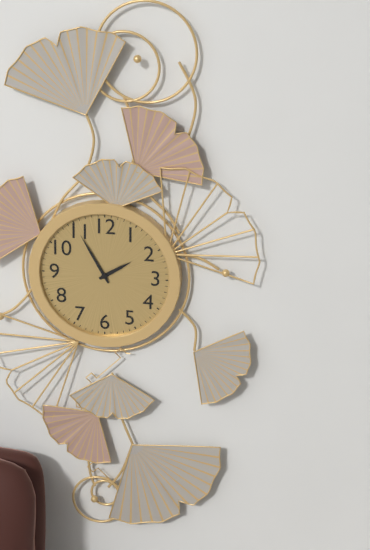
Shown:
1.55
